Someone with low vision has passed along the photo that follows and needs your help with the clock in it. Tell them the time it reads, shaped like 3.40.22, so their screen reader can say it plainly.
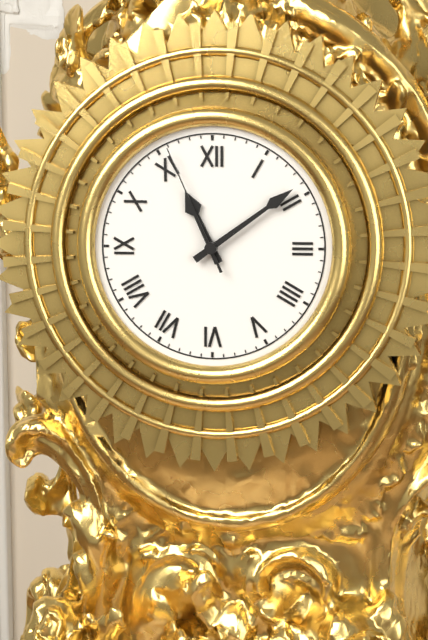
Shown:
11.09.56
